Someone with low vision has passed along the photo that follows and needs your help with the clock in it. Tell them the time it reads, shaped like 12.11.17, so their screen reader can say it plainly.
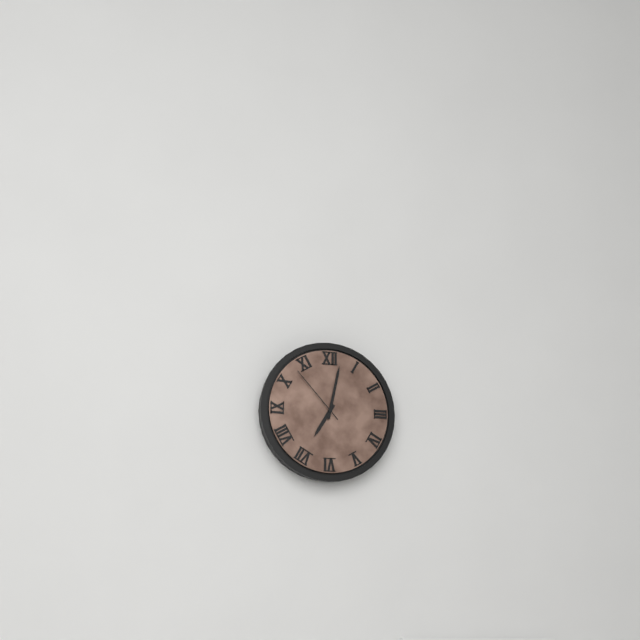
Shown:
7.02.53
